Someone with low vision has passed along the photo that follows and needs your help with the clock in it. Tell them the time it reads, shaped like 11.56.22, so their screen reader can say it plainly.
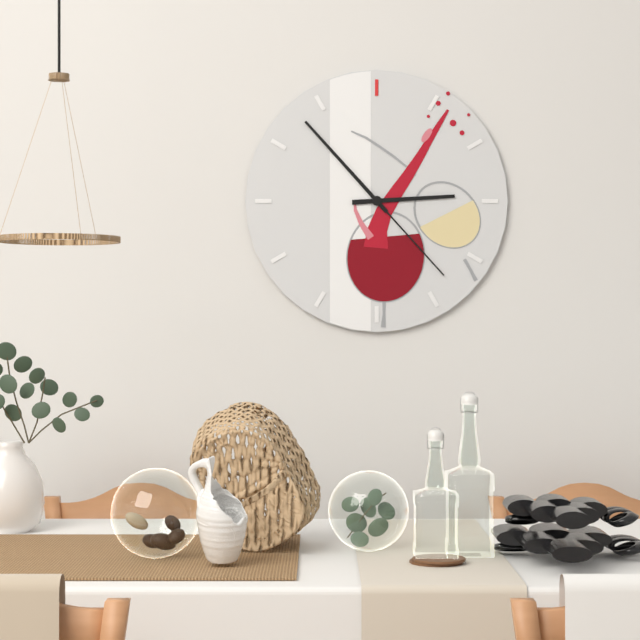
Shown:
2.53.23
